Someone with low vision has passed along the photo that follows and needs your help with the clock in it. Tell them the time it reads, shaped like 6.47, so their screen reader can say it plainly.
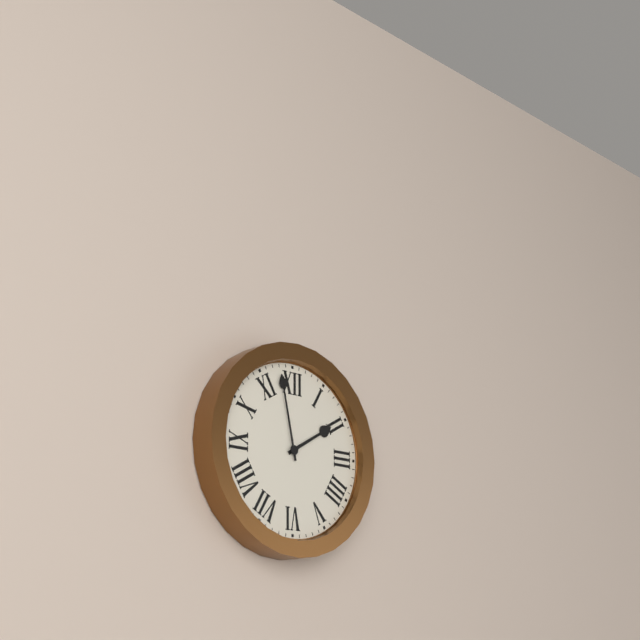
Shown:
1.58
